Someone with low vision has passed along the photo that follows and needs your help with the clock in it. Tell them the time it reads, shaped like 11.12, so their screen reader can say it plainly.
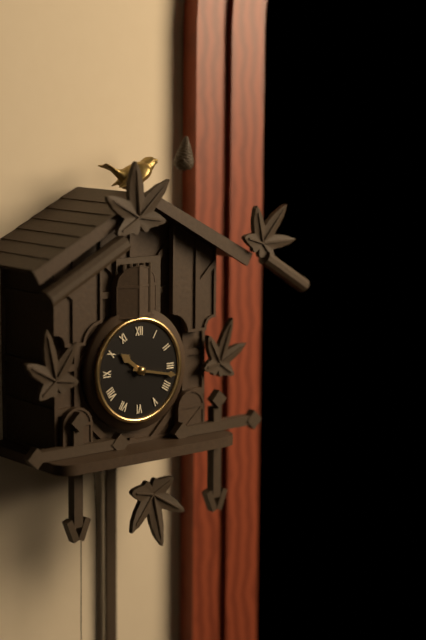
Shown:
10.17
